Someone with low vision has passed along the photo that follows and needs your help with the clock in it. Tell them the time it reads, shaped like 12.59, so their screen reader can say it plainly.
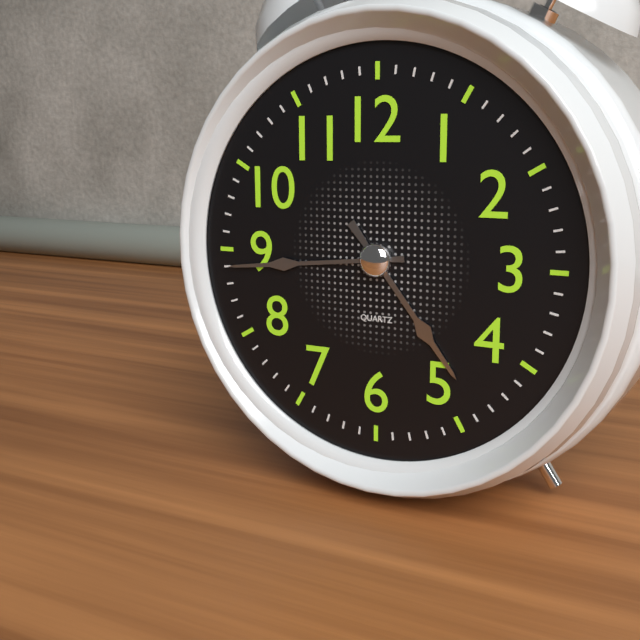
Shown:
4.44
